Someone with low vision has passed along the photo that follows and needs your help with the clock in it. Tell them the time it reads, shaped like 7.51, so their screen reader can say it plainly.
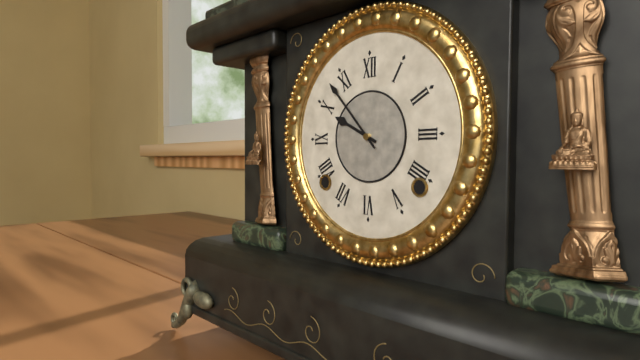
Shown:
9.53
